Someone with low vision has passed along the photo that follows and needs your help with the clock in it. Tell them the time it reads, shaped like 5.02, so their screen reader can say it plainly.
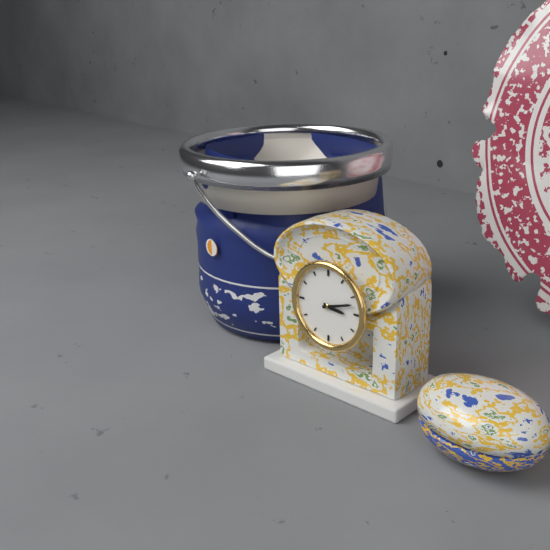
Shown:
3.12
